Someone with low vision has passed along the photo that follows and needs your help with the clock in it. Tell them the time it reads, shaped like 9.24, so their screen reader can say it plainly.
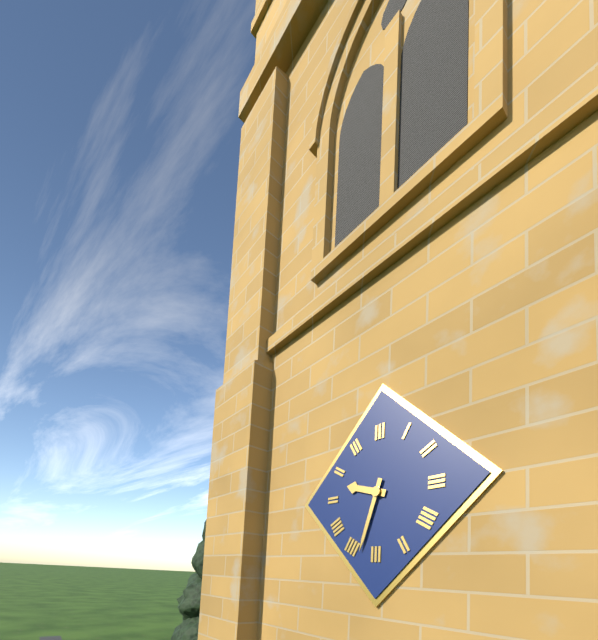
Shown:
9.33
